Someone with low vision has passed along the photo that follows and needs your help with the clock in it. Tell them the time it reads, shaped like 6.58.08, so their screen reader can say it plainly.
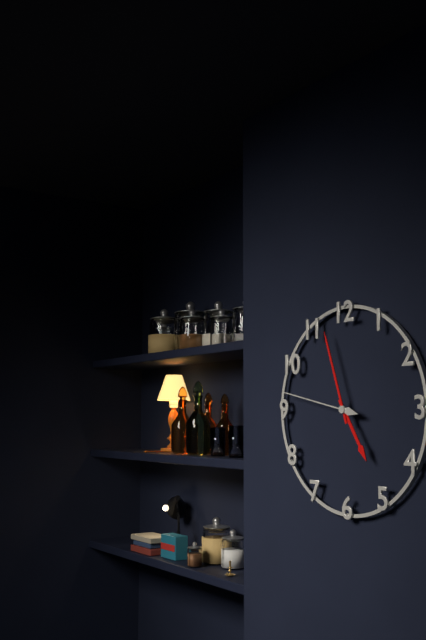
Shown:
4.57.47
